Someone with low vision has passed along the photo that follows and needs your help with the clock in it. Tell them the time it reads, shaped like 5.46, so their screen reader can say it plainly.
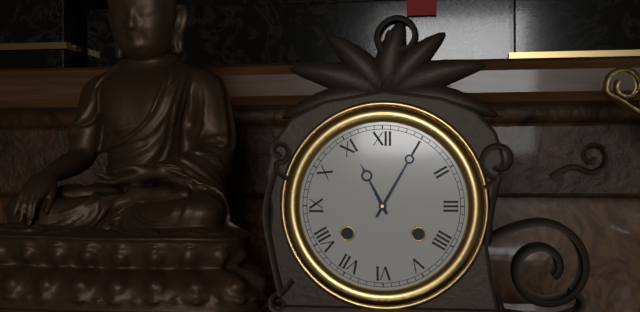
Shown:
11.05
